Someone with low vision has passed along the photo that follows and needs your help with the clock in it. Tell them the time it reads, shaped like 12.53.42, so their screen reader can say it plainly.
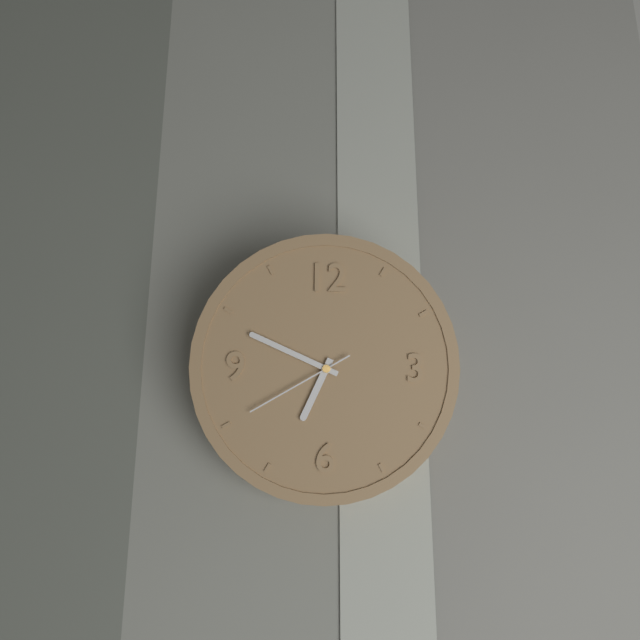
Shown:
6.49.40
